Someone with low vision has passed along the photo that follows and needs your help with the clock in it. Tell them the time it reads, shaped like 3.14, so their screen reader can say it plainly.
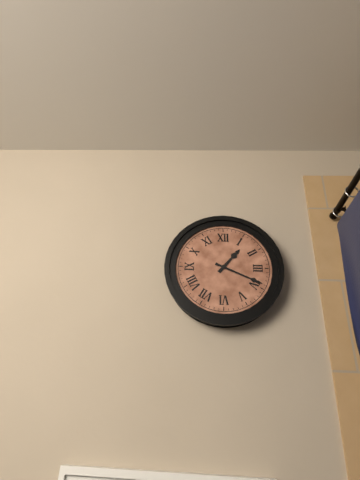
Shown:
1.19
